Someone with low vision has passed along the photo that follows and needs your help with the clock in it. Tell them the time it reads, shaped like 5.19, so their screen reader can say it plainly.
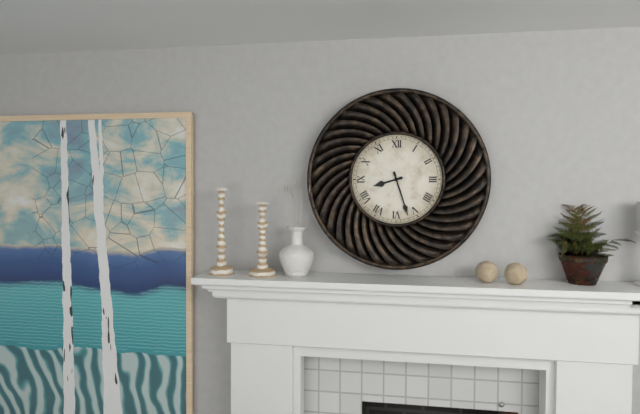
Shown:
8.27
